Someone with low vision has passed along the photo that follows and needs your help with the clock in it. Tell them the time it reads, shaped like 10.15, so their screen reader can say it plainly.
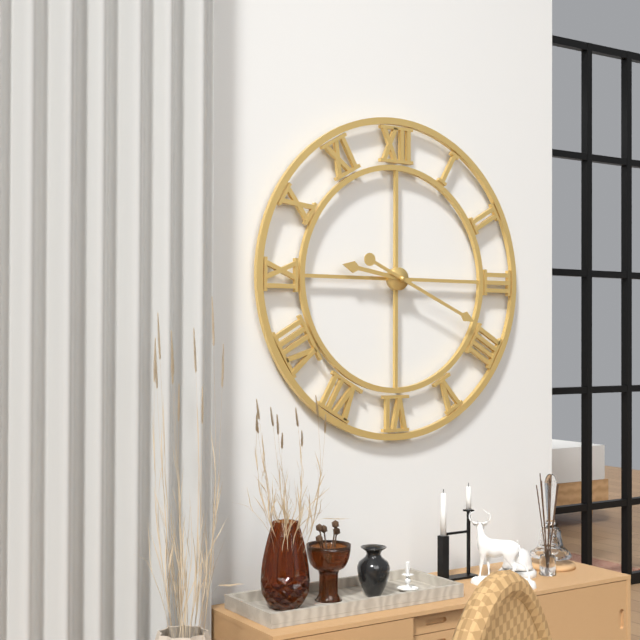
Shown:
9.19
